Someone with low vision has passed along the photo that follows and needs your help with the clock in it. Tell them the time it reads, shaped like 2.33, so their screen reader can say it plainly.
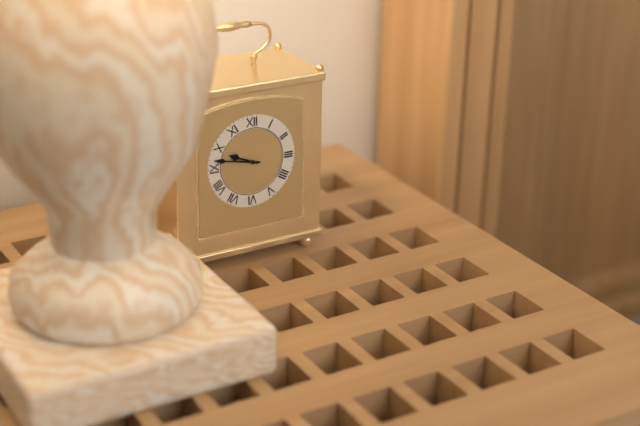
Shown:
9.47
